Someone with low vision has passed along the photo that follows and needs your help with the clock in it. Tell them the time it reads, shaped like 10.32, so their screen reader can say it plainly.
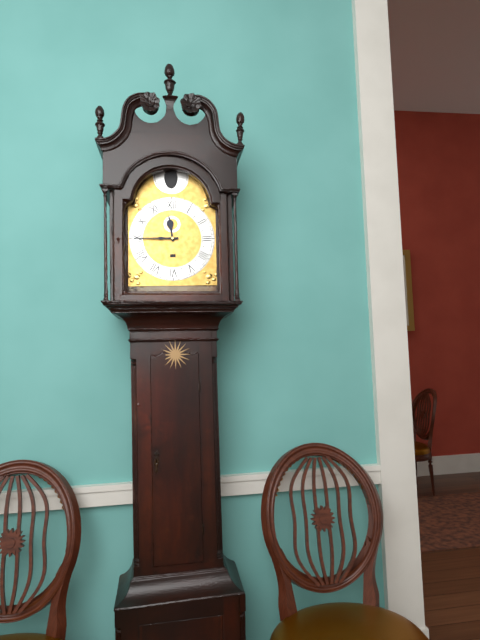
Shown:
11.45
